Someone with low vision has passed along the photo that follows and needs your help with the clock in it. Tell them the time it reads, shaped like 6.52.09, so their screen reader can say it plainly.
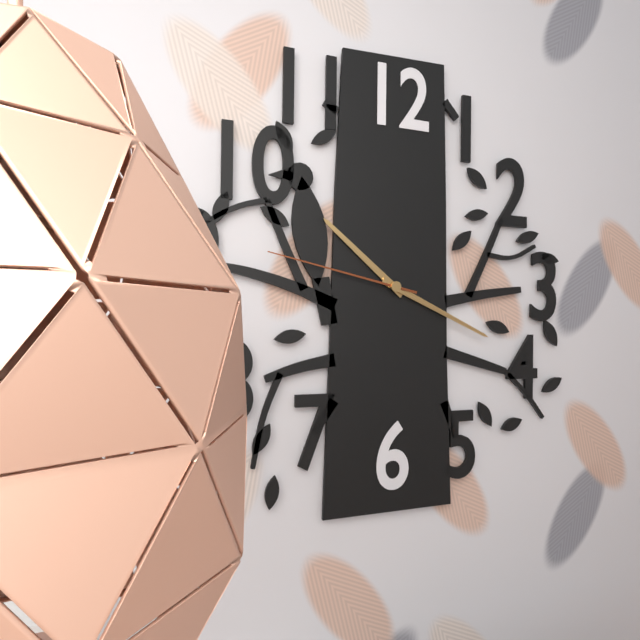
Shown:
10.19.47
